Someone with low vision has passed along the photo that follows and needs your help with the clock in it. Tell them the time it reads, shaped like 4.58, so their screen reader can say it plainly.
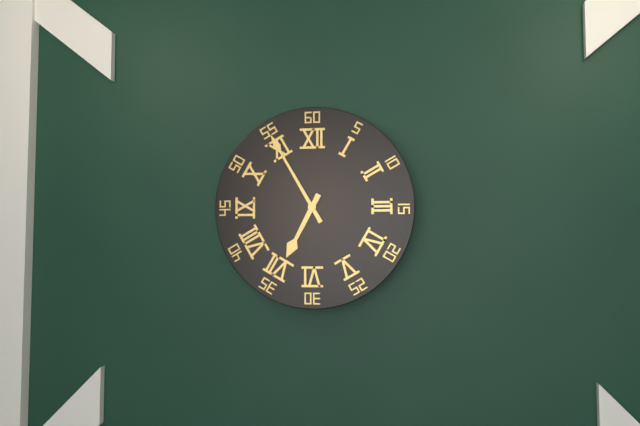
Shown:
6.55
